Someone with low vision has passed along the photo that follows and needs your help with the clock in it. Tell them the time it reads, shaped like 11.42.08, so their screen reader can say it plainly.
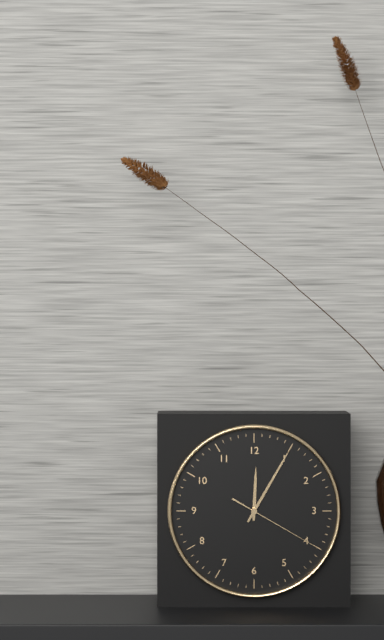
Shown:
12.05.20
